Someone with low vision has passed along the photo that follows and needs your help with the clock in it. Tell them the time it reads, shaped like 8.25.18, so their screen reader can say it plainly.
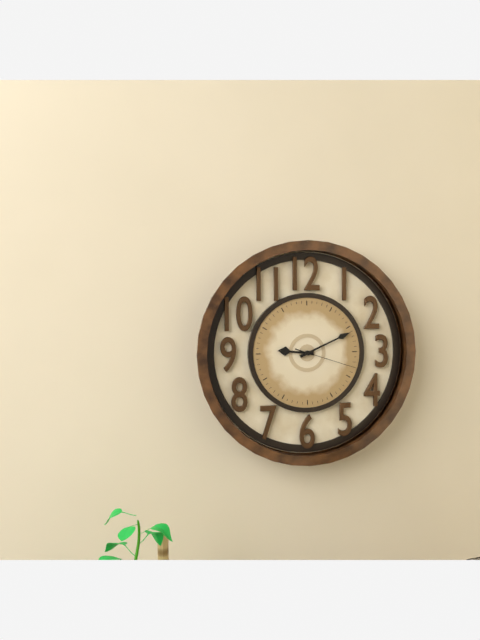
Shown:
9.11.18
